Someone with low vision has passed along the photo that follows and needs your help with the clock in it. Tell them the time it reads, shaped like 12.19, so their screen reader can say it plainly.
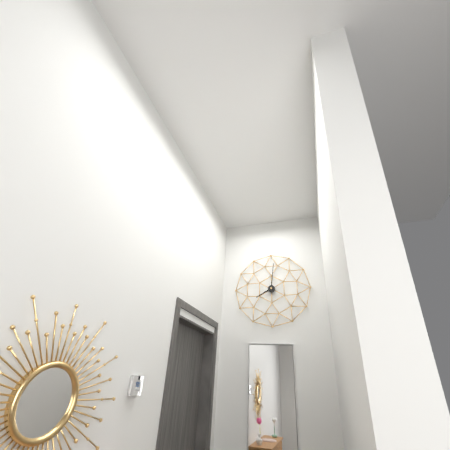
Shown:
8.01
